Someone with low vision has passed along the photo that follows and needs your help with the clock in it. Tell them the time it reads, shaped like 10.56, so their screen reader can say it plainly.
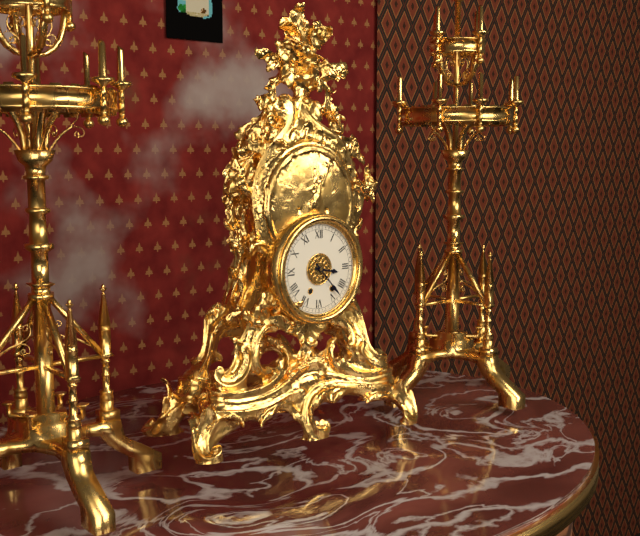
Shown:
3.23
